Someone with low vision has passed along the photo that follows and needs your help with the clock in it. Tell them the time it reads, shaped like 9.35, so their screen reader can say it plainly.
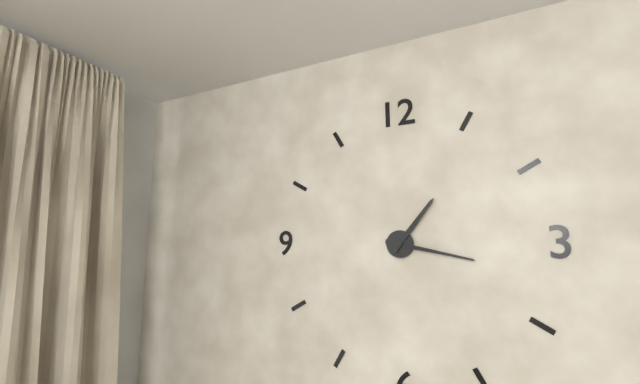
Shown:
1.17
